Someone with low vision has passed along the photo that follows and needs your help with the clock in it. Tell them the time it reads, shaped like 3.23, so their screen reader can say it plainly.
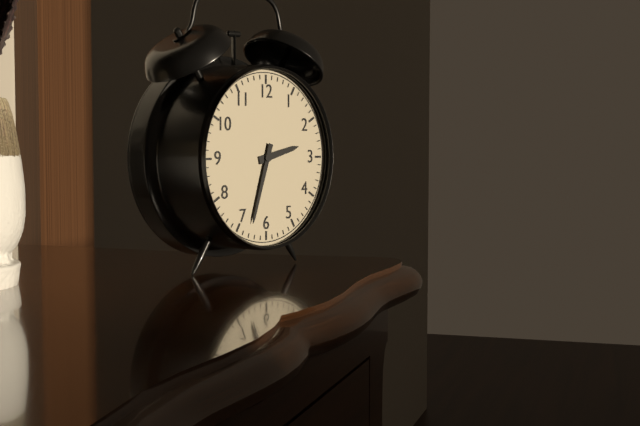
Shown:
2.33
